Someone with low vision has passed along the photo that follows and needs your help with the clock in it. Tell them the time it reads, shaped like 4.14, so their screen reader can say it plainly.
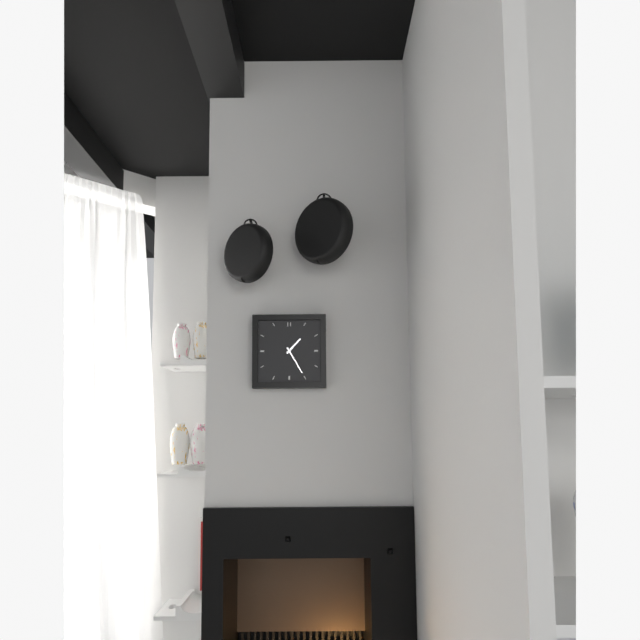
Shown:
1.25
